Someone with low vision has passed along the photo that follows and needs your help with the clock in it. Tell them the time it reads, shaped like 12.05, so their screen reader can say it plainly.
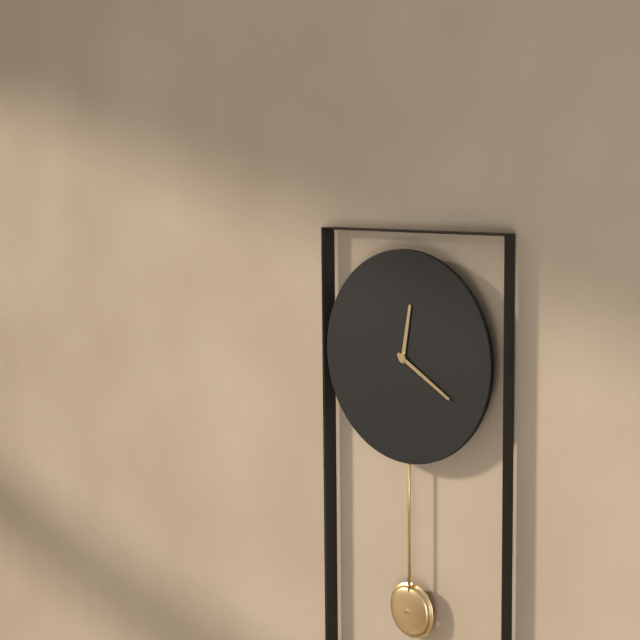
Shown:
12.20
